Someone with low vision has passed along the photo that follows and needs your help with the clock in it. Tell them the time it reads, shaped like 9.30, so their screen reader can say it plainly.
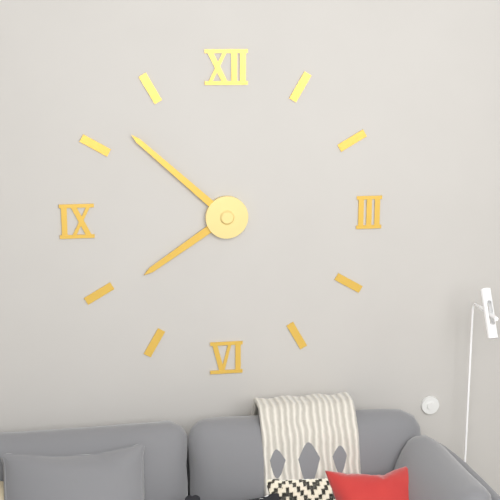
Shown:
7.52
